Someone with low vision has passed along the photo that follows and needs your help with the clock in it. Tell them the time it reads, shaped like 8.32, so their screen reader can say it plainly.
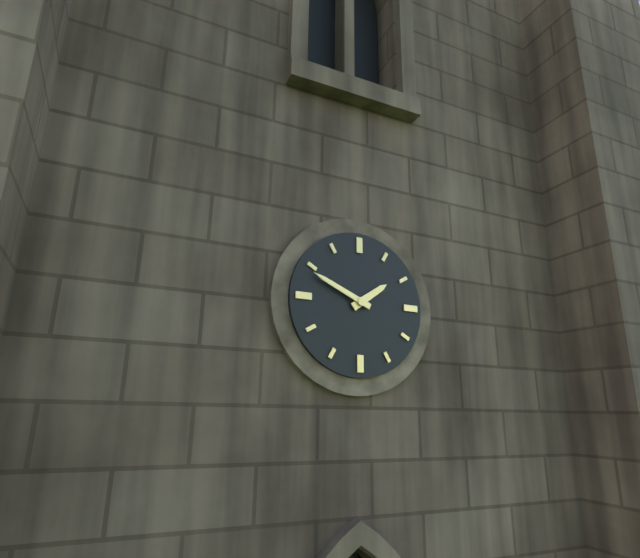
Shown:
1.49
